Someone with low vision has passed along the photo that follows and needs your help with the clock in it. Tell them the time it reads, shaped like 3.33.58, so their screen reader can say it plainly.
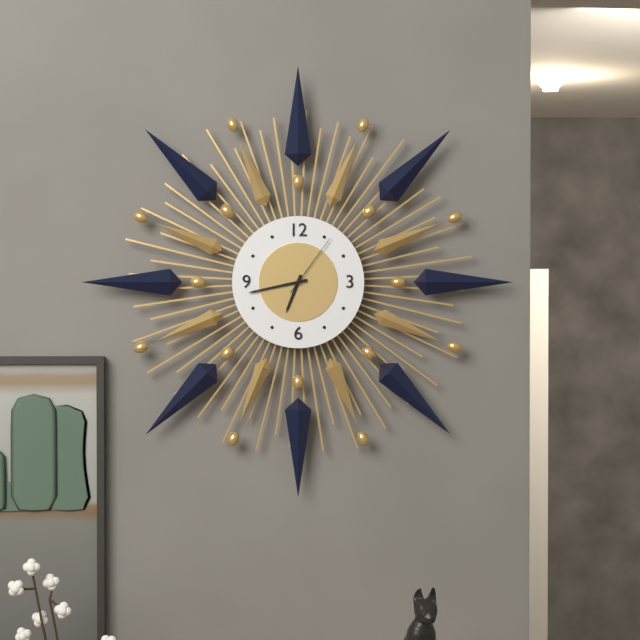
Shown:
6.43.06
